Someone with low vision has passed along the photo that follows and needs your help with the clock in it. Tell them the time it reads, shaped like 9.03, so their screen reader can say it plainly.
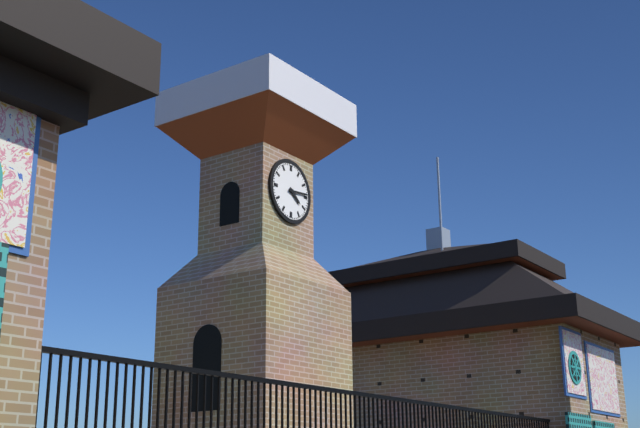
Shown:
4.14
